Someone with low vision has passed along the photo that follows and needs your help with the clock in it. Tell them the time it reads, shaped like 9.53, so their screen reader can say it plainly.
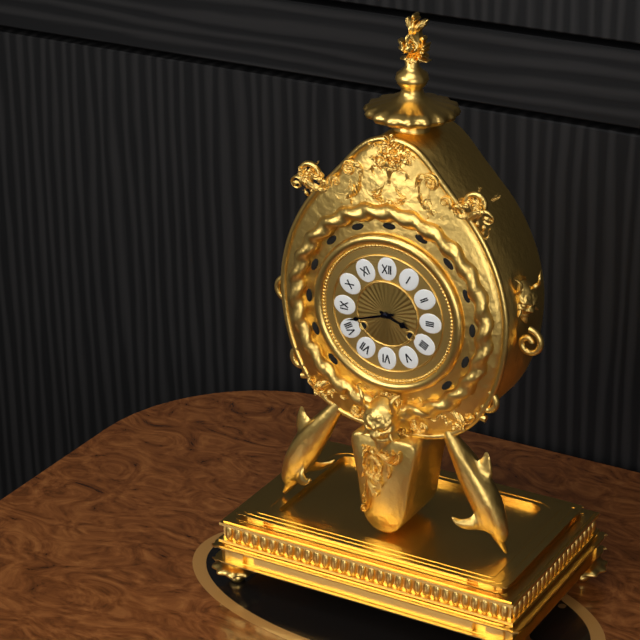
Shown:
3.42
